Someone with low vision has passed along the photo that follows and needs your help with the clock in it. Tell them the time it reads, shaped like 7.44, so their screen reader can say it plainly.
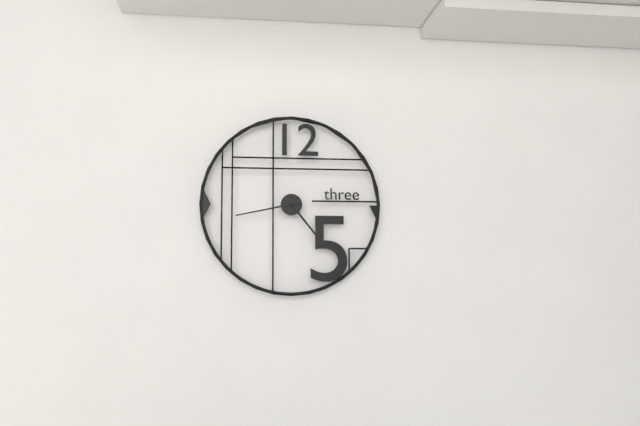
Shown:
4.43
